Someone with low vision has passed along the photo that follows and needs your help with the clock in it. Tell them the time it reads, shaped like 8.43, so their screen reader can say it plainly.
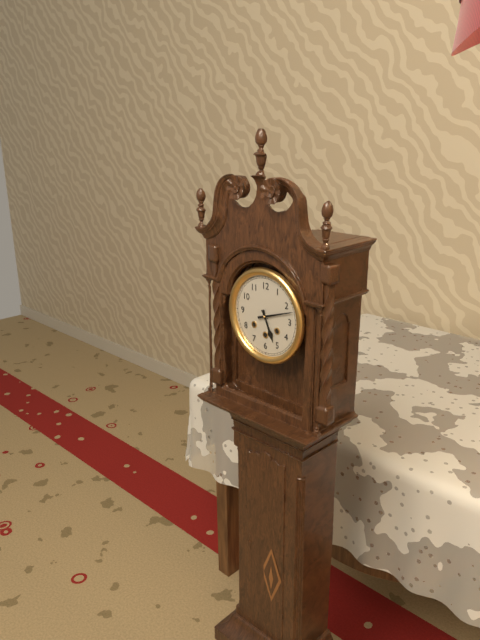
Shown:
5.12
